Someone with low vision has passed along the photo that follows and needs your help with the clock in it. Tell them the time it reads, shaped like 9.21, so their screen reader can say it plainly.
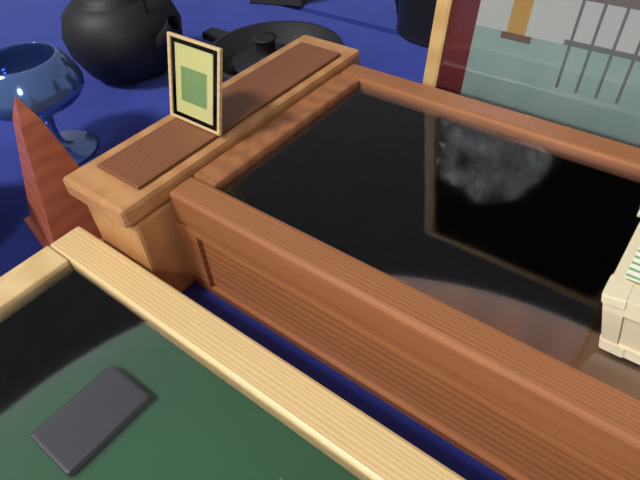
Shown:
3.03
